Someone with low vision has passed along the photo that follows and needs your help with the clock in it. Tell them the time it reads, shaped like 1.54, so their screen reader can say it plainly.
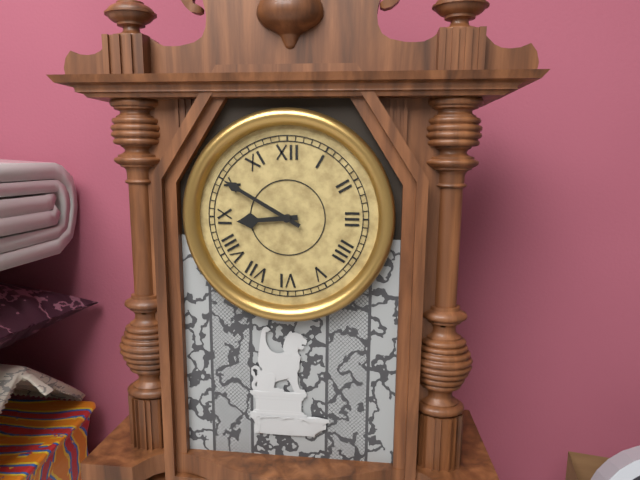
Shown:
8.50
